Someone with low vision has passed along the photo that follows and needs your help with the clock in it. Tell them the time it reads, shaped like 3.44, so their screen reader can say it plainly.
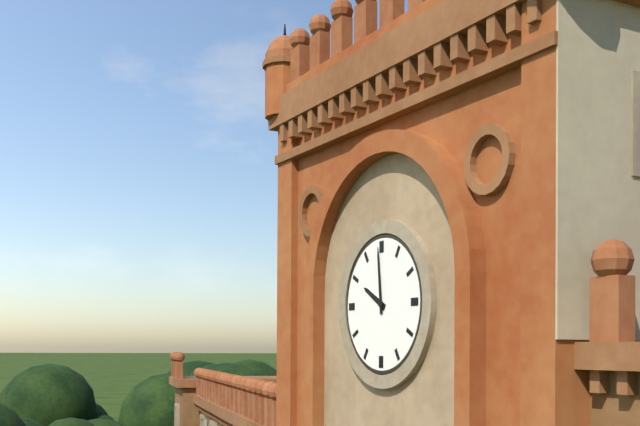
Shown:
9.59
